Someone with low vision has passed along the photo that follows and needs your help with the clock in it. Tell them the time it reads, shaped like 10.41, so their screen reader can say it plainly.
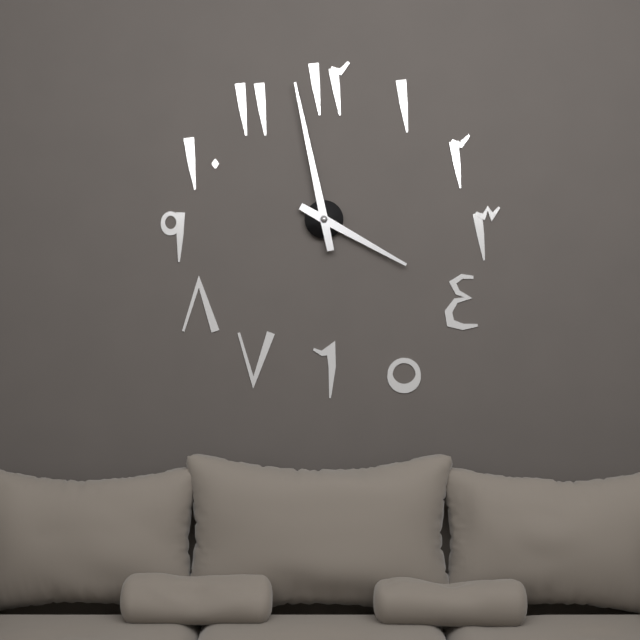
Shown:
3.58
